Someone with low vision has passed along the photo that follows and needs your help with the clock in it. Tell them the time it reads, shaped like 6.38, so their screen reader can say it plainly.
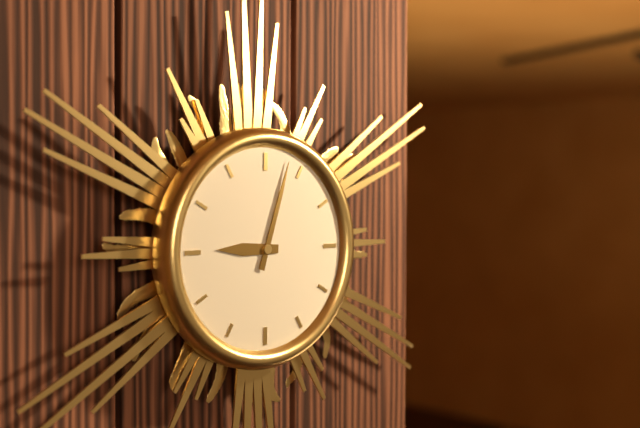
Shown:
9.03
